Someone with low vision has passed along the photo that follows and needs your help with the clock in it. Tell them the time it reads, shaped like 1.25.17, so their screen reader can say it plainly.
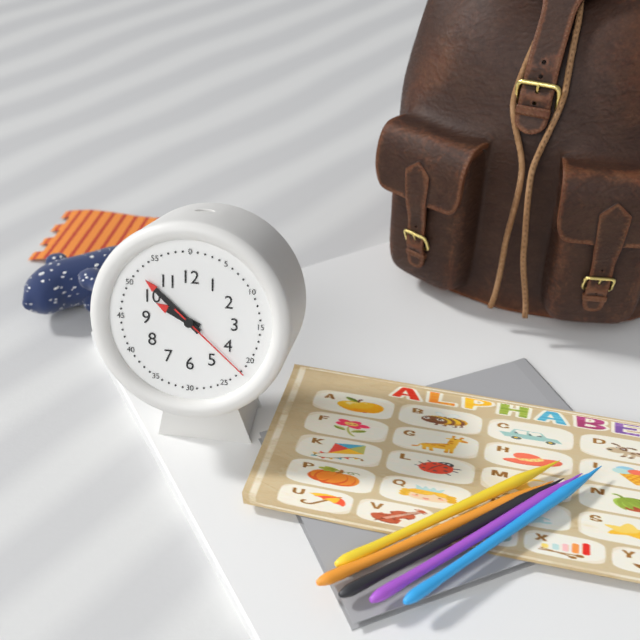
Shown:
9.52.22
